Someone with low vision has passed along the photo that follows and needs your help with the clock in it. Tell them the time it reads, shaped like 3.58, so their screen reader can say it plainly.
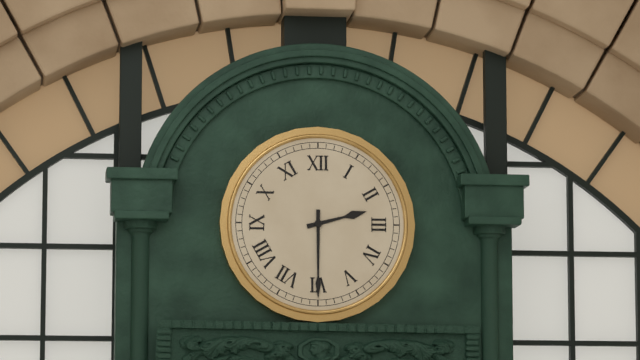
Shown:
2.30
